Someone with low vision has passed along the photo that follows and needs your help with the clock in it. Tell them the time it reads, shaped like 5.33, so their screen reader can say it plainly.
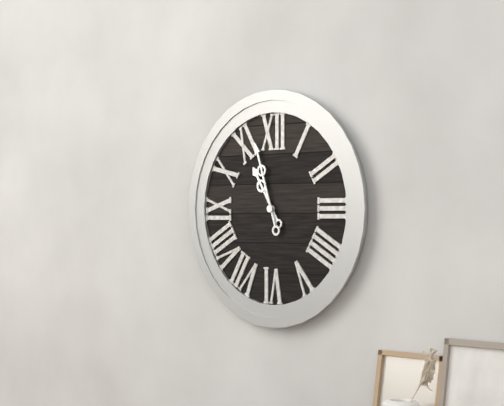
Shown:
10.57
